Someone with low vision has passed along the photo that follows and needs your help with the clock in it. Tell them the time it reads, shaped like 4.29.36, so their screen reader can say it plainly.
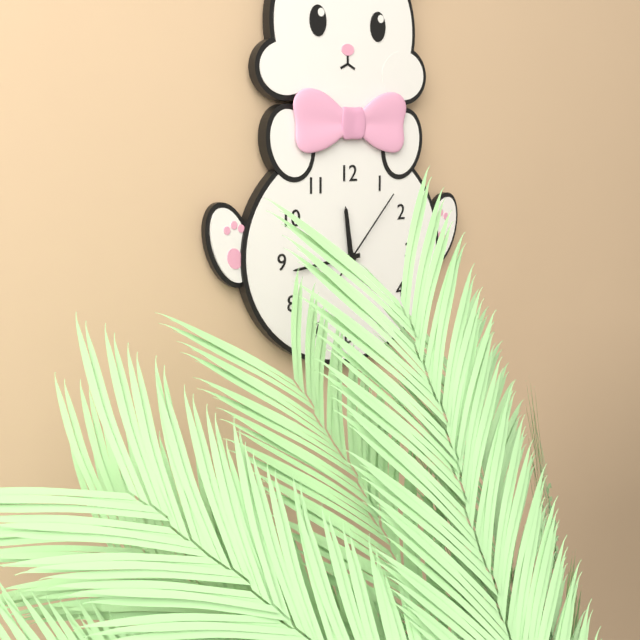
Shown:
11.44.07
